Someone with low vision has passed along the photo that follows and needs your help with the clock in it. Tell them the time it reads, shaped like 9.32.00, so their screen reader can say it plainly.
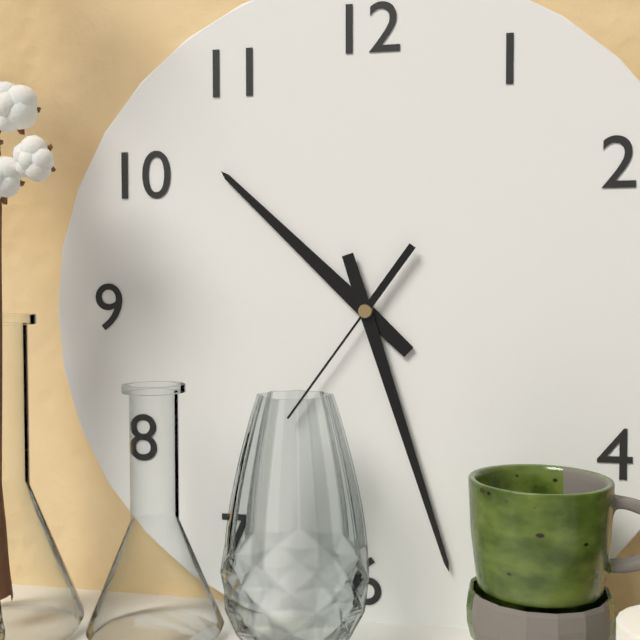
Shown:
10.27.36
